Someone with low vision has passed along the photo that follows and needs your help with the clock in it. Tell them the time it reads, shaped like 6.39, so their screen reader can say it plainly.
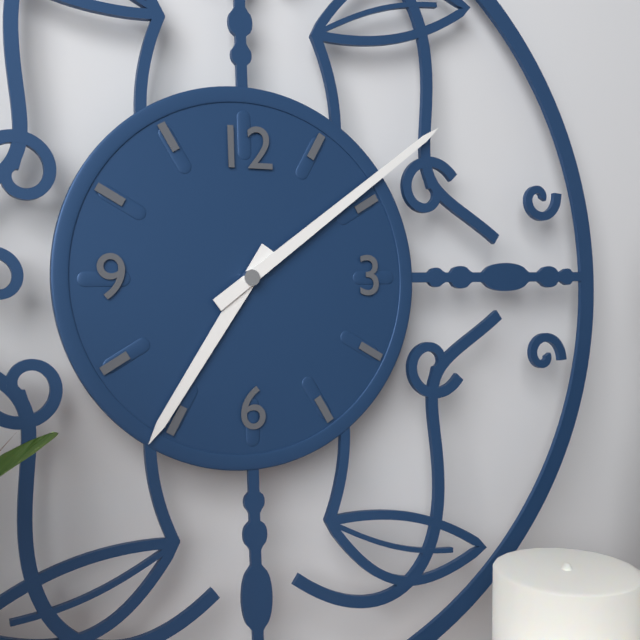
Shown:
7.09
